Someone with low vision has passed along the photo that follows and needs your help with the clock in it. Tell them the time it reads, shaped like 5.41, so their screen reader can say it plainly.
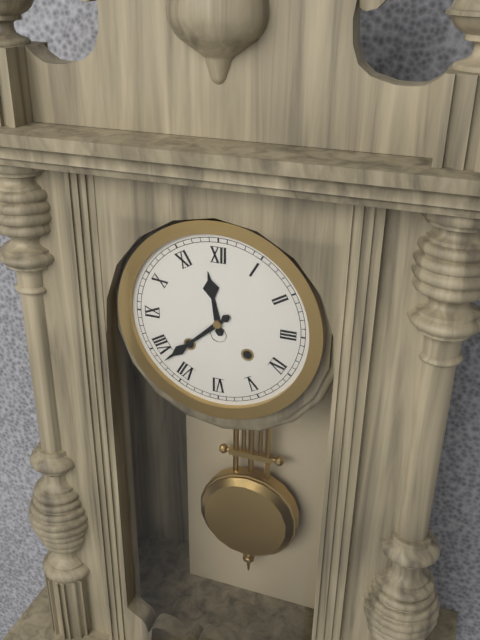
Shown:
11.38
